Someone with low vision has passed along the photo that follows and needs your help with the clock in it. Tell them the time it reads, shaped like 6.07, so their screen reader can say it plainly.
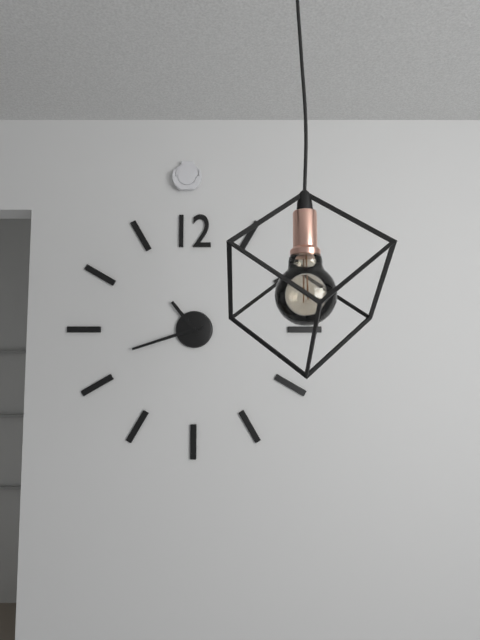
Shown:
10.42
